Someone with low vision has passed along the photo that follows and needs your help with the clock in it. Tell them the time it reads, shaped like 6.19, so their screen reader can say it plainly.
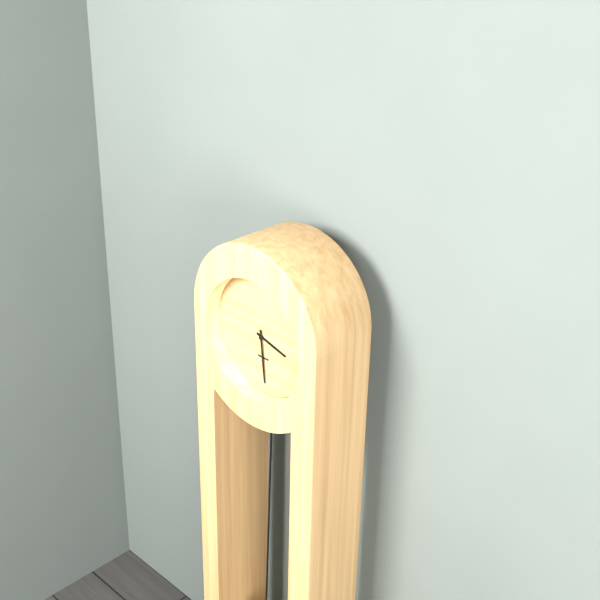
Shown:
3.29
